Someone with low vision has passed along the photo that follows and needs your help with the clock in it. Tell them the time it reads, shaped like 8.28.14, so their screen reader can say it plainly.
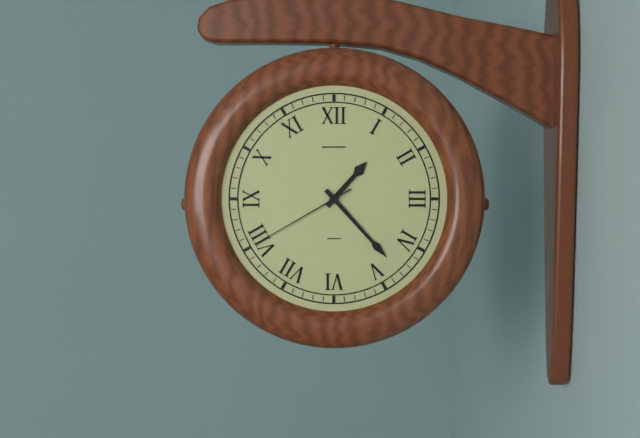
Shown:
1.23.40
